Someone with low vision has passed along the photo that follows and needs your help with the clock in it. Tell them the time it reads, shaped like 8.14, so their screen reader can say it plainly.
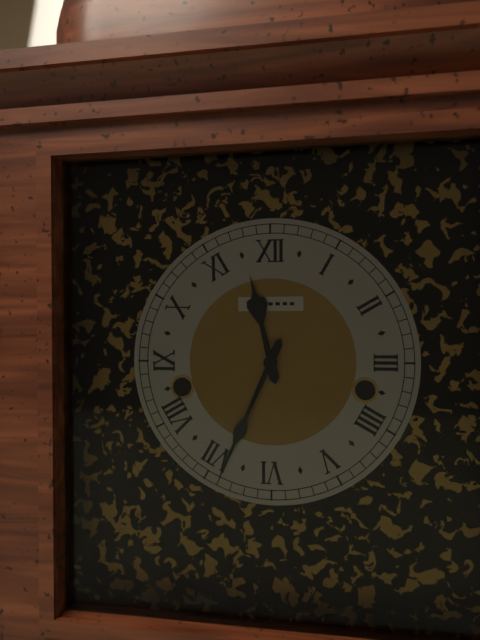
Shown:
11.34
